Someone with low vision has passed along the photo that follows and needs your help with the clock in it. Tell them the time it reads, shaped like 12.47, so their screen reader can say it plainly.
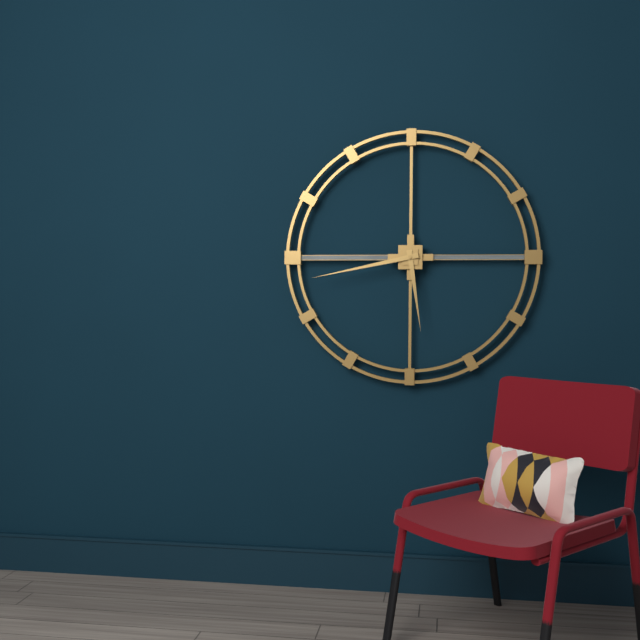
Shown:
5.43
